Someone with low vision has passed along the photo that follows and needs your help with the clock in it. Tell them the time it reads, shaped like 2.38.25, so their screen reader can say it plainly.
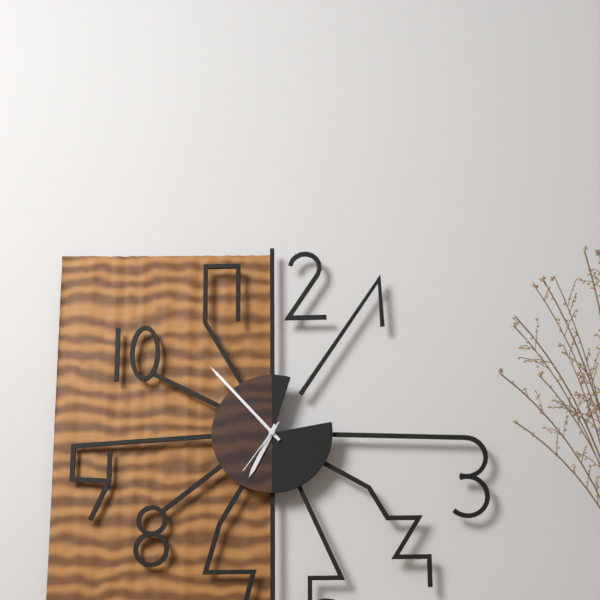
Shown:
6.53.36
